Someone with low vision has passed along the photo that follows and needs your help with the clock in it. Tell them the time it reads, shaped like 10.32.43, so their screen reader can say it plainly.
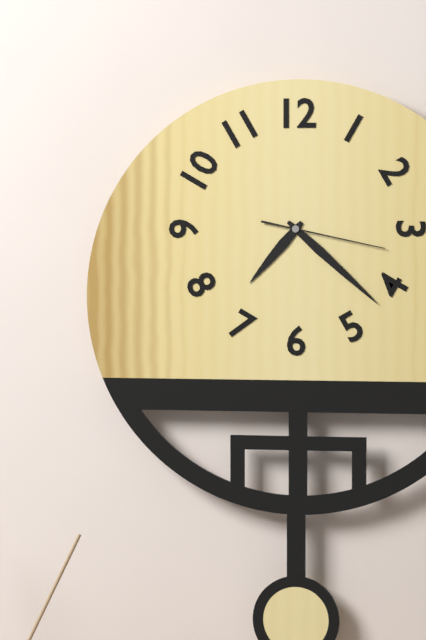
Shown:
7.22.17
